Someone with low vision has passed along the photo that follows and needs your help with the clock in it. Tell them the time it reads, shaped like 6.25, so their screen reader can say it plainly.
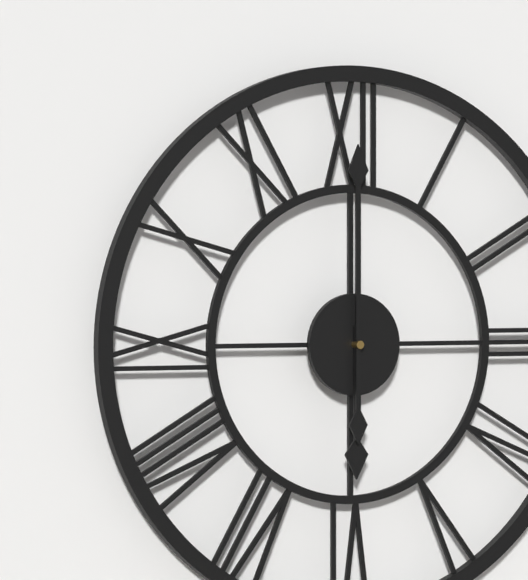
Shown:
6.00
